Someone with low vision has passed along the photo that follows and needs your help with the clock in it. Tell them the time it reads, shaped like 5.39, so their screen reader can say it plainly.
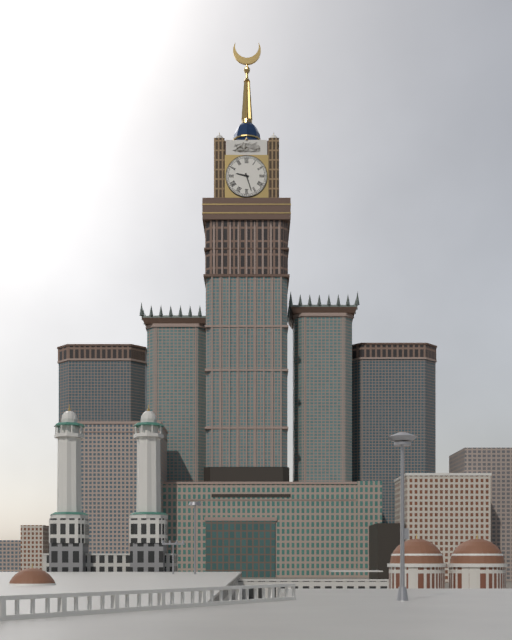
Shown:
9.27
